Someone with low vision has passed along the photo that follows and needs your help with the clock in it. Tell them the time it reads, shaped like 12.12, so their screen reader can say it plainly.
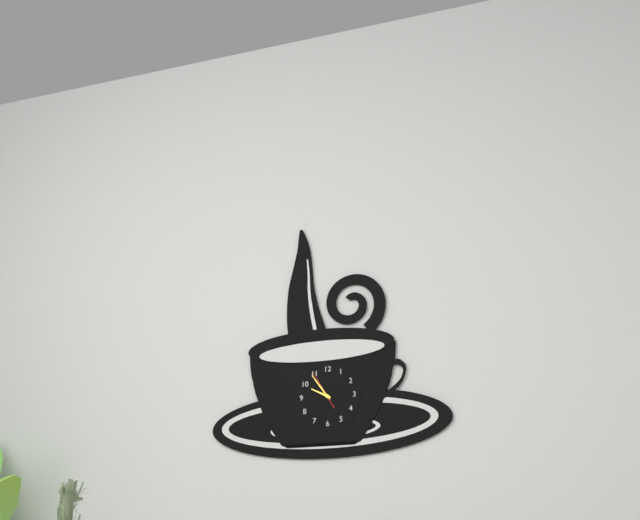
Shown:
9.54
